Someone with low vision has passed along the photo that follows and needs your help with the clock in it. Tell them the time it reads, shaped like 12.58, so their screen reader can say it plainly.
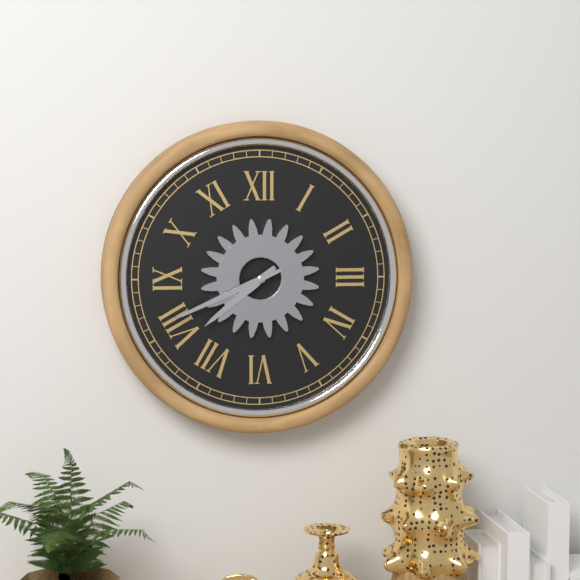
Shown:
7.41
